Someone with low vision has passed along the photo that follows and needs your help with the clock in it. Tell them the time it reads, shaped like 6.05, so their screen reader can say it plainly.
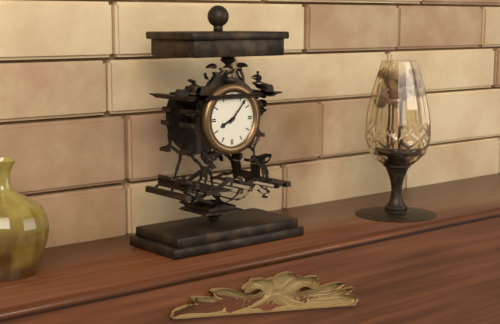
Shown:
8.07
